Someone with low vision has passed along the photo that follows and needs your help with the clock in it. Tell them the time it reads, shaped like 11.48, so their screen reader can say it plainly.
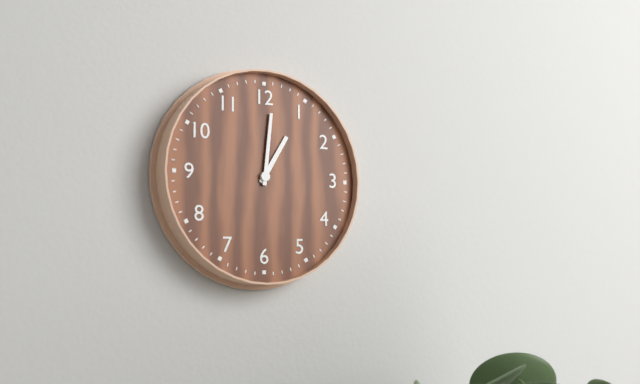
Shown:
1.01
